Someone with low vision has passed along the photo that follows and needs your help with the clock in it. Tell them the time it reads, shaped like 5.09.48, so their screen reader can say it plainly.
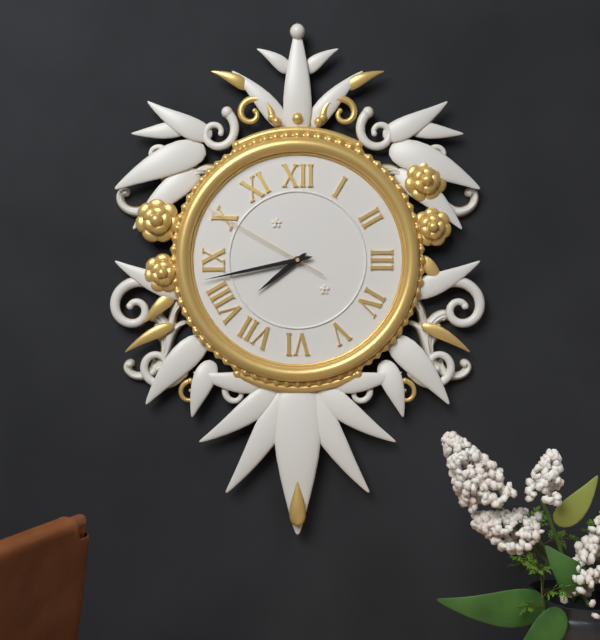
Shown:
7.43.50
